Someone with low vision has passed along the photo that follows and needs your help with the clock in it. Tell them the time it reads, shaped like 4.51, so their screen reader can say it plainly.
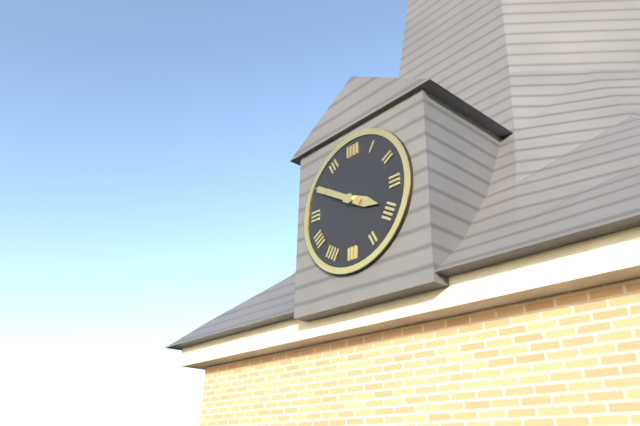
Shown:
3.50
